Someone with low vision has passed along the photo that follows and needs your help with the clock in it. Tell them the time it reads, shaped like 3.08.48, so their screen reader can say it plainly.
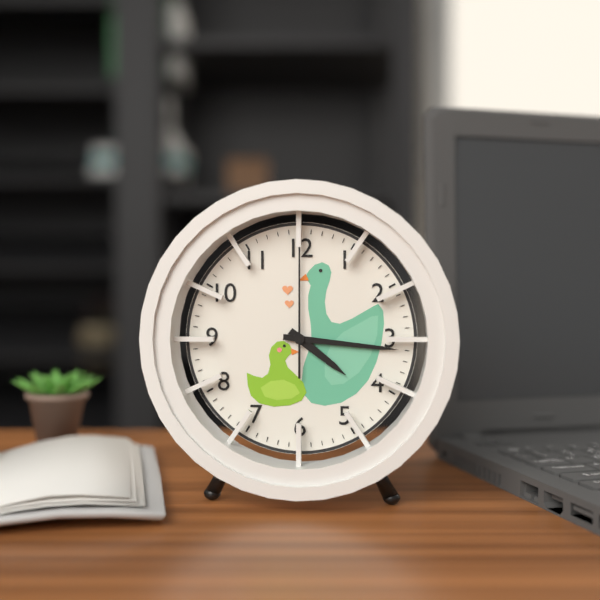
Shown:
4.16.00
